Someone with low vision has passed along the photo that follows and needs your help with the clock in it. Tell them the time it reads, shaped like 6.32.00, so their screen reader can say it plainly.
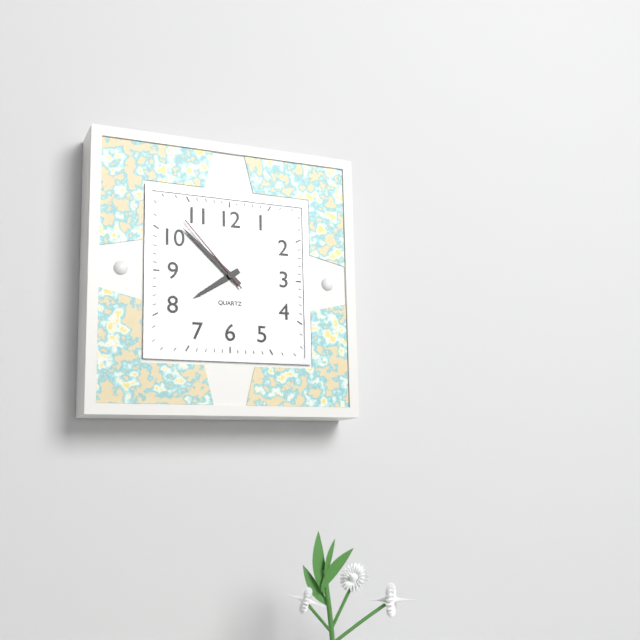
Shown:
7.52.53
